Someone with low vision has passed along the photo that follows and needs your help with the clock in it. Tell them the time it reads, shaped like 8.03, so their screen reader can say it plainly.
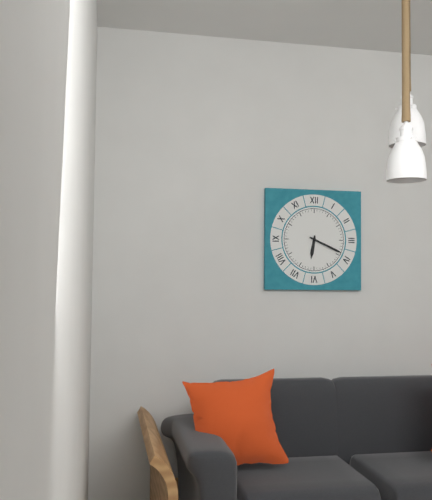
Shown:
6.19
